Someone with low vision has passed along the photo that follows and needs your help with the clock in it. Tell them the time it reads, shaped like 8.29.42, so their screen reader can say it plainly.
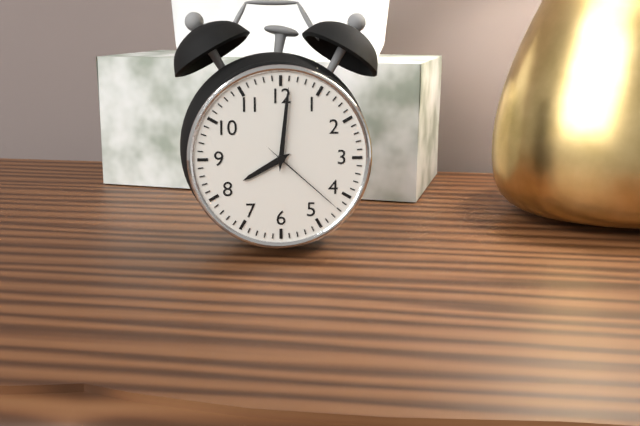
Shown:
8.01.22
